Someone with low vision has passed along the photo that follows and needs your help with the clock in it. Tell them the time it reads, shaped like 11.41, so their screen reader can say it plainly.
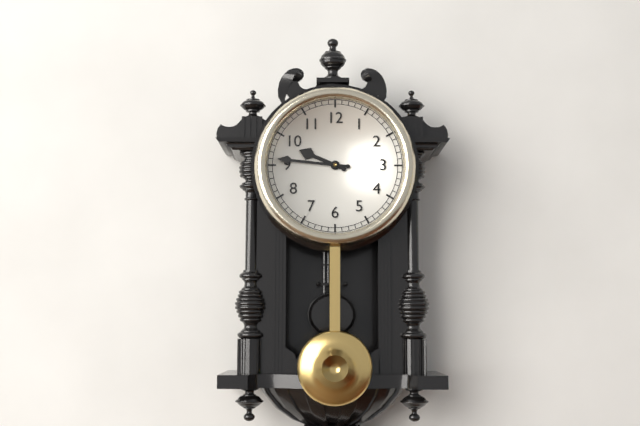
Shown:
9.46
